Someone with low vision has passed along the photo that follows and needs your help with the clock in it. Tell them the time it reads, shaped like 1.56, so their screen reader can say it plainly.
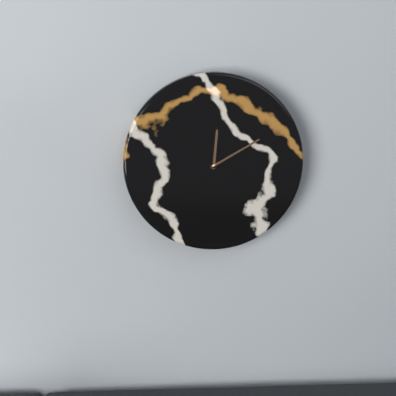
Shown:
12.10
